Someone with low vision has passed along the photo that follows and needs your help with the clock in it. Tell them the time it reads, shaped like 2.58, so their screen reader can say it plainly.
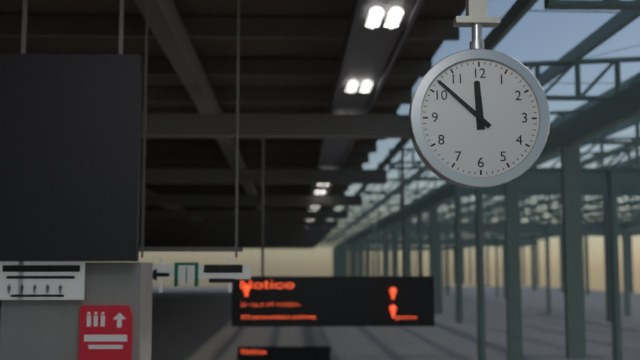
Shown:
11.52
